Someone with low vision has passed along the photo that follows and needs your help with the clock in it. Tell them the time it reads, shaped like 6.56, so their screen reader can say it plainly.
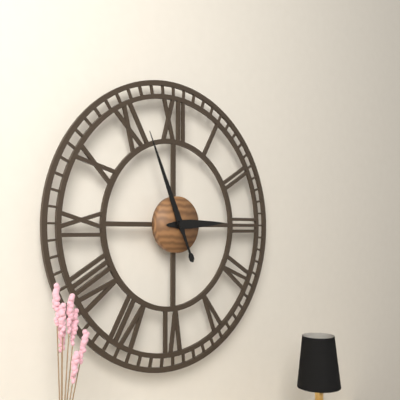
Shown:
2.56
